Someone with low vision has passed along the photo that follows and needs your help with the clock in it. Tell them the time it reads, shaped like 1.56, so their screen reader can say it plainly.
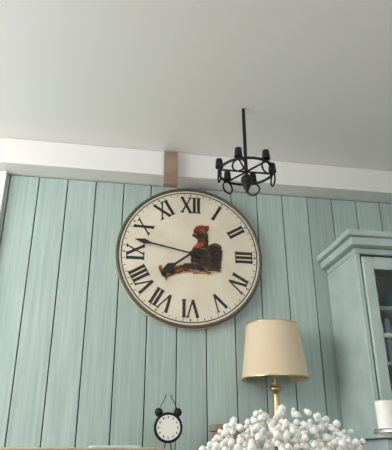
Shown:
7.47
